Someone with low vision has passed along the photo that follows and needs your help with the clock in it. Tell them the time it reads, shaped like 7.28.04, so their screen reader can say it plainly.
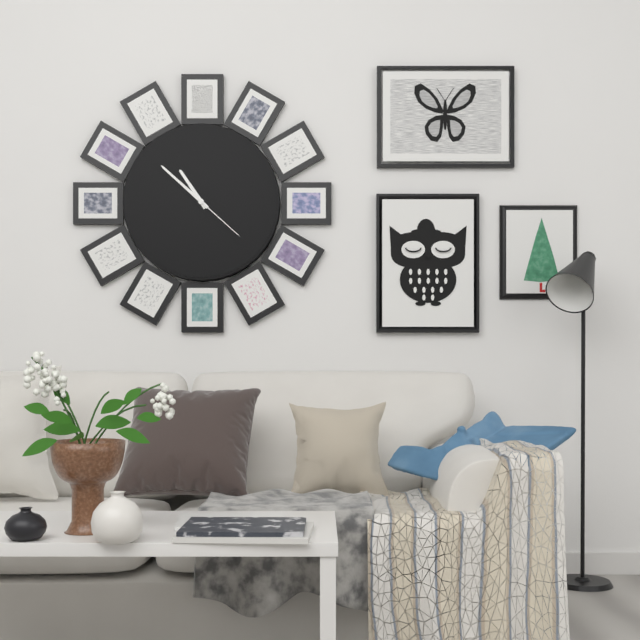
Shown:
10.52.22
